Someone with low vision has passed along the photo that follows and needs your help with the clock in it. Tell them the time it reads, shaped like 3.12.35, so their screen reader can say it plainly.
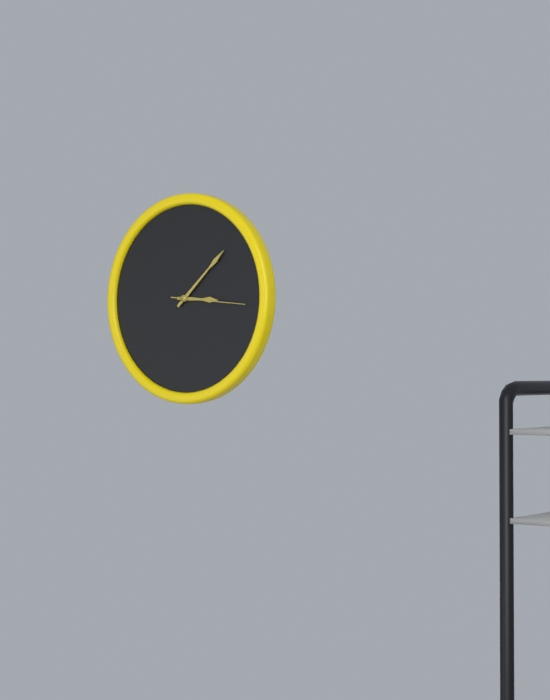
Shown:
3.08.16
